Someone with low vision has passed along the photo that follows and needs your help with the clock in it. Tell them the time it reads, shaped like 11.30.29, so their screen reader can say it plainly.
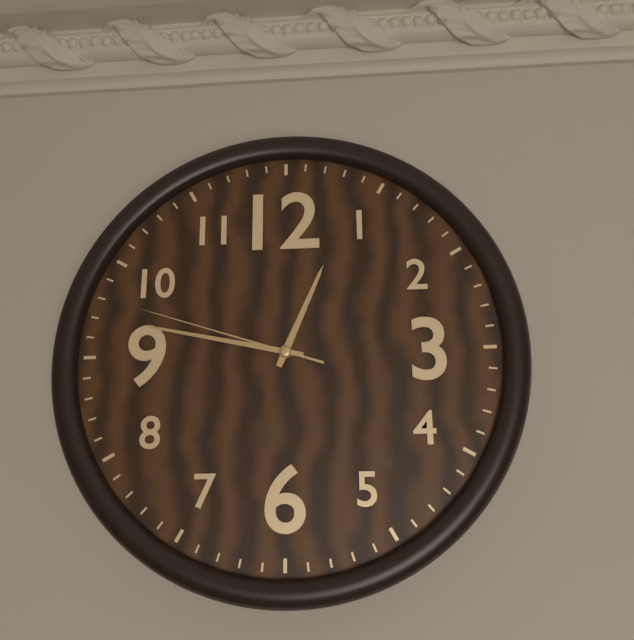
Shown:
12.47.48
